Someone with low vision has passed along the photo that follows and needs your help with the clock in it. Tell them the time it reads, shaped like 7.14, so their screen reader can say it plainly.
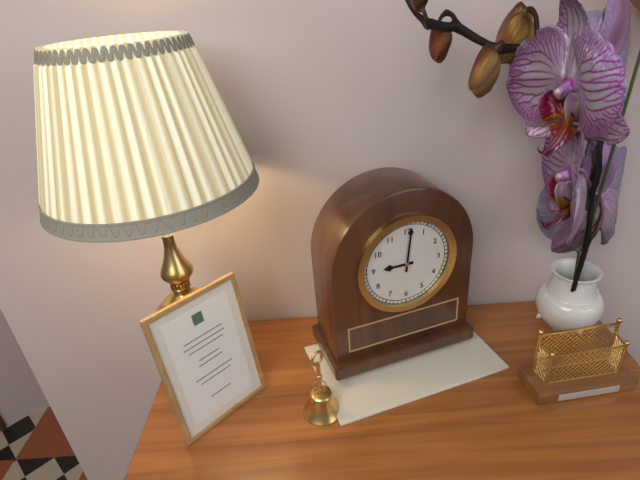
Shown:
9.01
